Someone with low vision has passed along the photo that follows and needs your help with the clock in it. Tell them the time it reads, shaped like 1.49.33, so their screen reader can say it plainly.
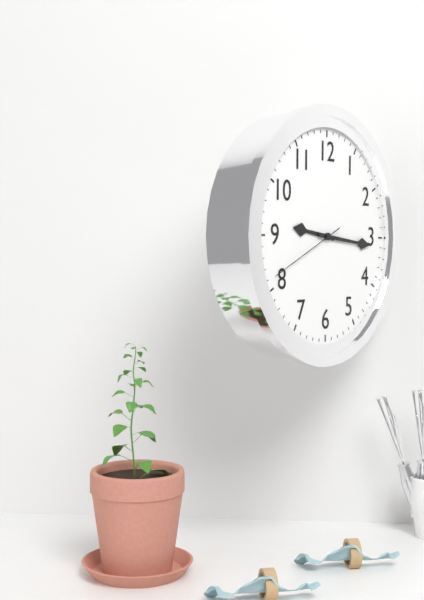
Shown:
9.16.41
